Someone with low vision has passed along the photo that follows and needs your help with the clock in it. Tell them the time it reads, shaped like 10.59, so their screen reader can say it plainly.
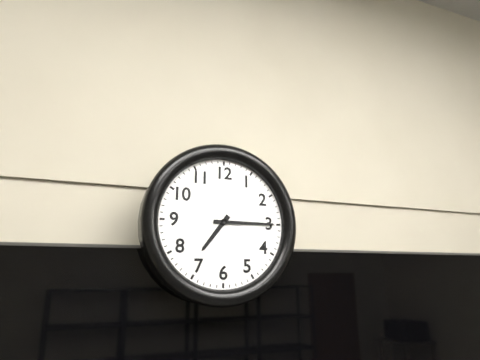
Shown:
7.15
